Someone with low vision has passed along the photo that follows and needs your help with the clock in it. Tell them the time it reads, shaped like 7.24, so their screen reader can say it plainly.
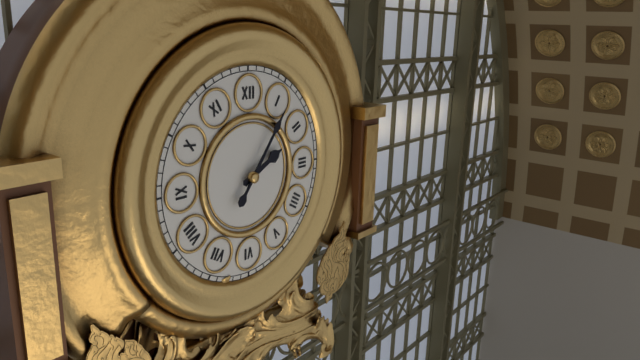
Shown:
2.06
